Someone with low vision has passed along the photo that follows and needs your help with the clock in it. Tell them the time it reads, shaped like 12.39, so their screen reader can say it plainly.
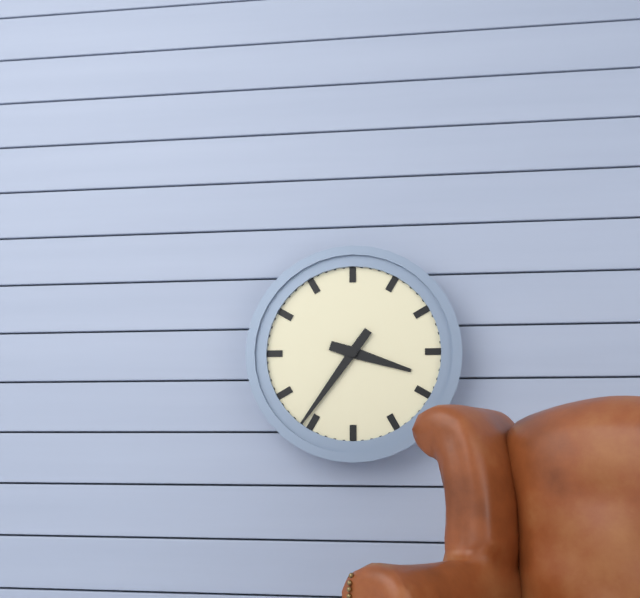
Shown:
3.36
